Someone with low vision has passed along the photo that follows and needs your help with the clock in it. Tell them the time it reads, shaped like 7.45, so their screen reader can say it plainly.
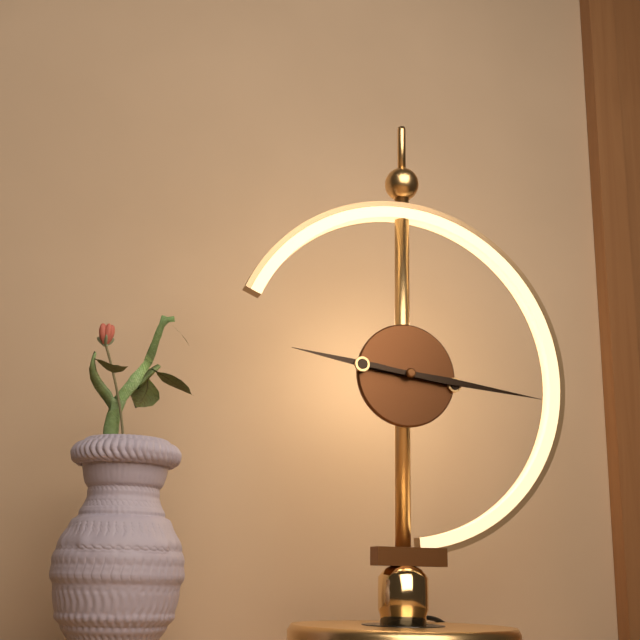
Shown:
9.16
